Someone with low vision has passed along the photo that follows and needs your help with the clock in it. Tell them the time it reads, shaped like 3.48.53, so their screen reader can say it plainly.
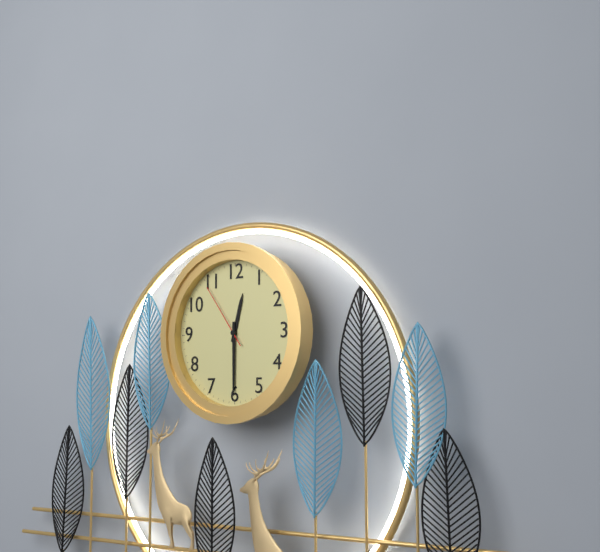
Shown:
12.30.54
